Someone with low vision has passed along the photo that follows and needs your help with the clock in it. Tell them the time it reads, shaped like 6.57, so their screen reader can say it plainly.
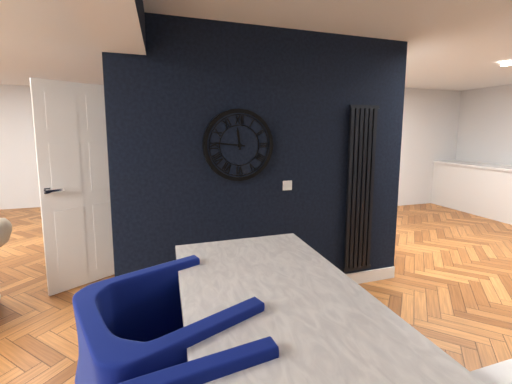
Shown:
11.46
